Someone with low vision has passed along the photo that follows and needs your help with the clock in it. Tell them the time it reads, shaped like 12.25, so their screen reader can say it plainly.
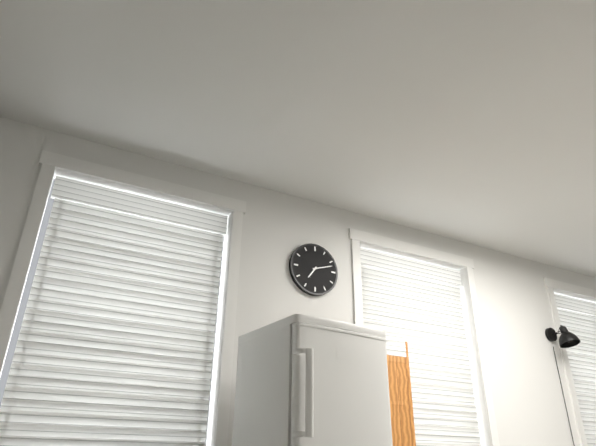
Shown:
7.12
